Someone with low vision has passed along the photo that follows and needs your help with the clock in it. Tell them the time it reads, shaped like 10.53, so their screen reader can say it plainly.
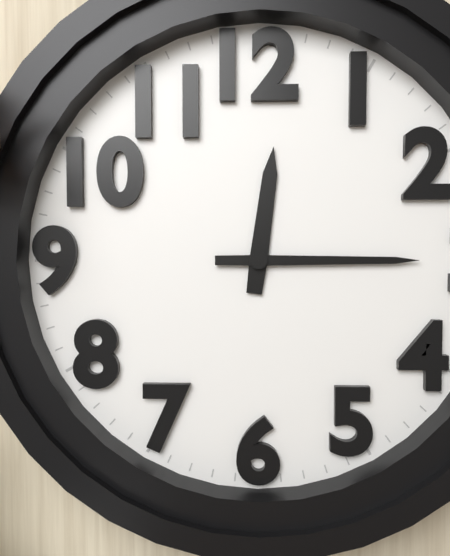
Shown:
12.15
